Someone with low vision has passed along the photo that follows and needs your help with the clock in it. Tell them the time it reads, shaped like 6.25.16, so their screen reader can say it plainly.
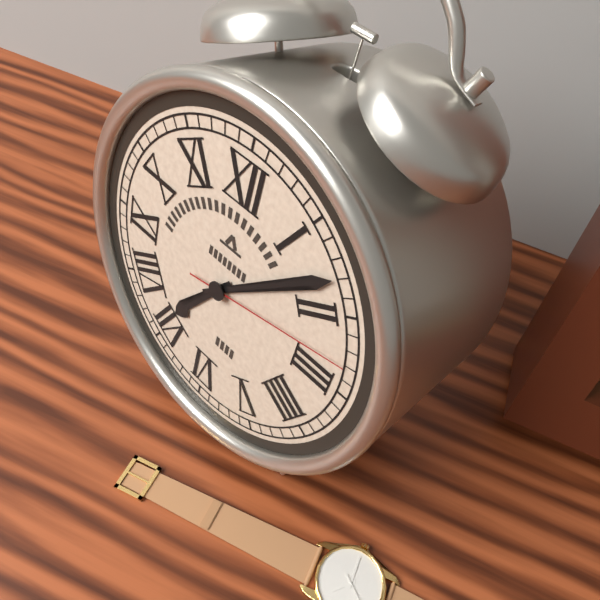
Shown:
7.08.13
